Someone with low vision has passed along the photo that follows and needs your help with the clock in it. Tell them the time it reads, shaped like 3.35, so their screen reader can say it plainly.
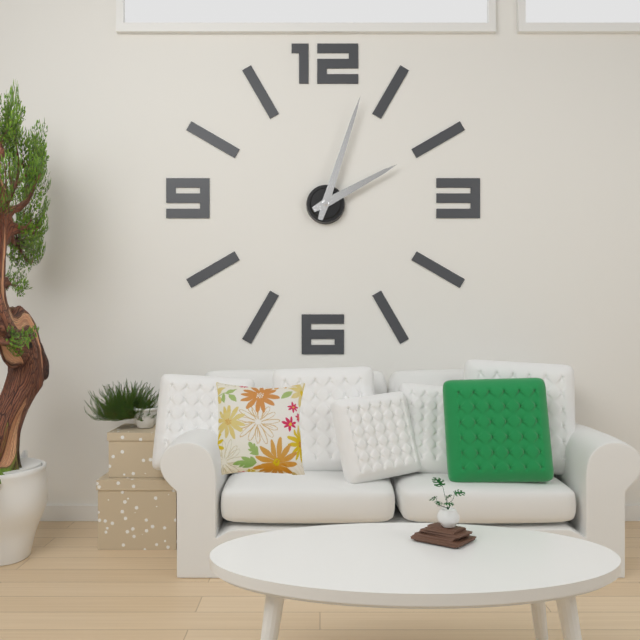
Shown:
2.03
